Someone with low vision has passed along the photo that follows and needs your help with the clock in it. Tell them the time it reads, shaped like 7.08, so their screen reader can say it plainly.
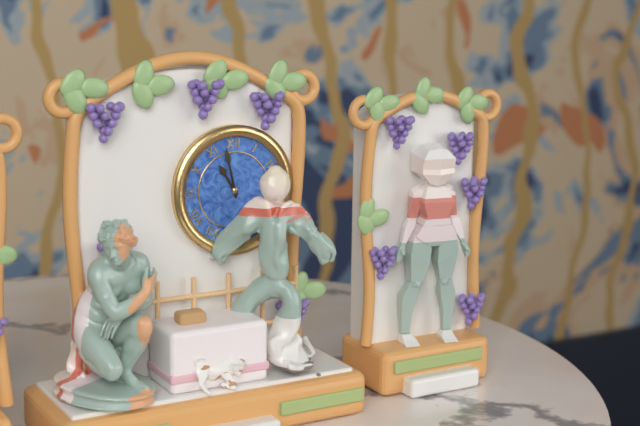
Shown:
10.58
